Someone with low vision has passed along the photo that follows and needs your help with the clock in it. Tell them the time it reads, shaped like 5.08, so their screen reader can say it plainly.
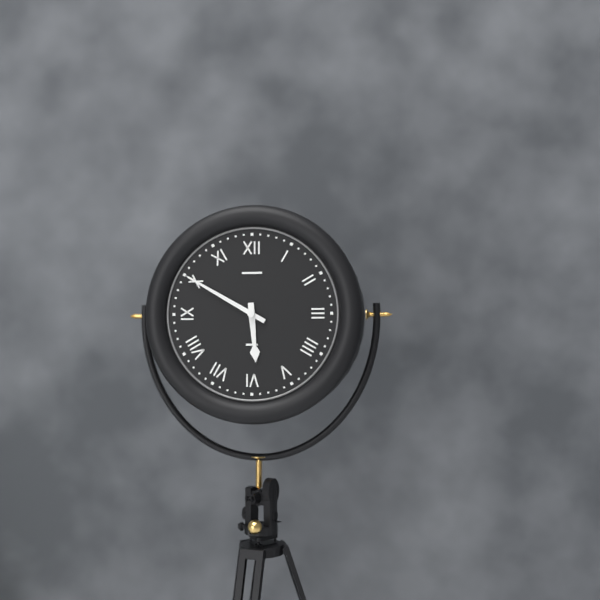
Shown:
5.50
